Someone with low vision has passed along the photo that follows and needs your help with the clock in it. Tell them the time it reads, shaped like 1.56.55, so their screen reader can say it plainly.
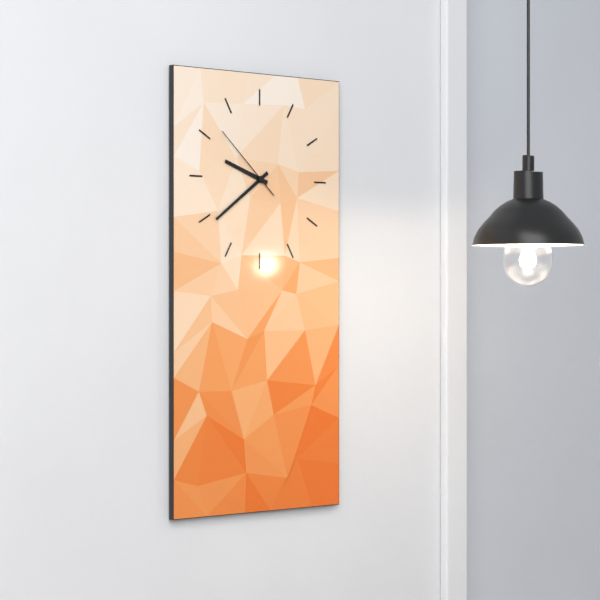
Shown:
9.39.52
